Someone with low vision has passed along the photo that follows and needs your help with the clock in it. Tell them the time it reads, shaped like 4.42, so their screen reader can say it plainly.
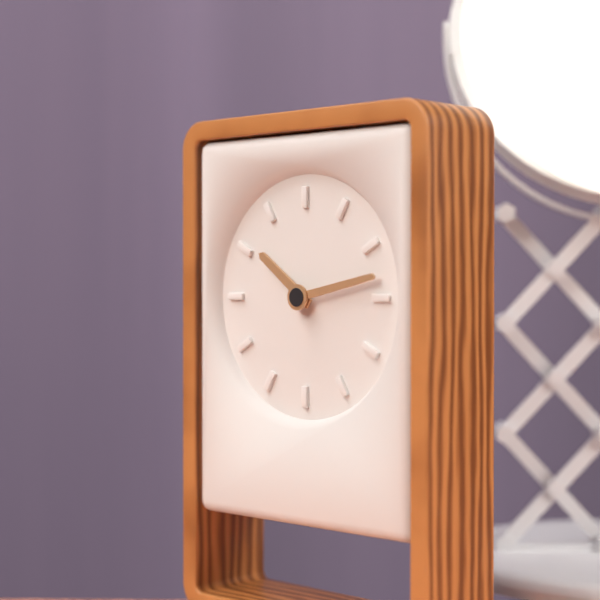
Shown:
10.13
